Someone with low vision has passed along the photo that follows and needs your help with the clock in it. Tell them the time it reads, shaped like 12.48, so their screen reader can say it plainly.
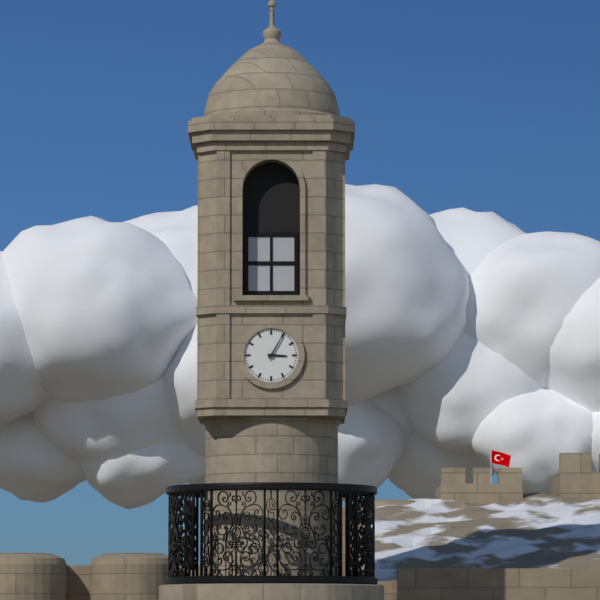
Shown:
3.05
